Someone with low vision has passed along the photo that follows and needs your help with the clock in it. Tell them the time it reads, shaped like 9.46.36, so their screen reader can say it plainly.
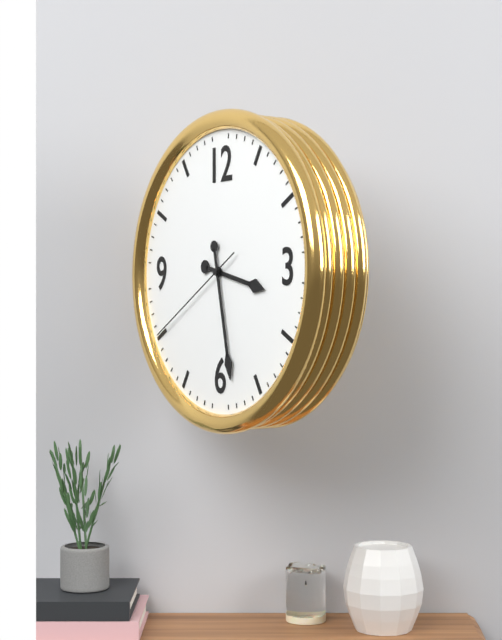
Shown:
3.28.40
